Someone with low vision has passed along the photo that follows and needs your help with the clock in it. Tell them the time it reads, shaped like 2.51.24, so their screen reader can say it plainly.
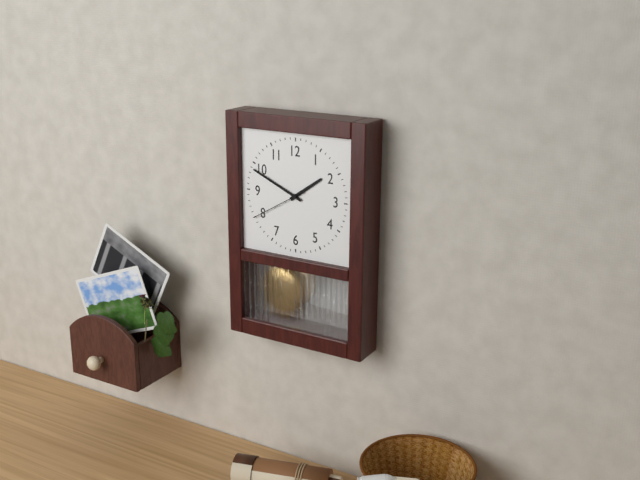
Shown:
1.49.40
